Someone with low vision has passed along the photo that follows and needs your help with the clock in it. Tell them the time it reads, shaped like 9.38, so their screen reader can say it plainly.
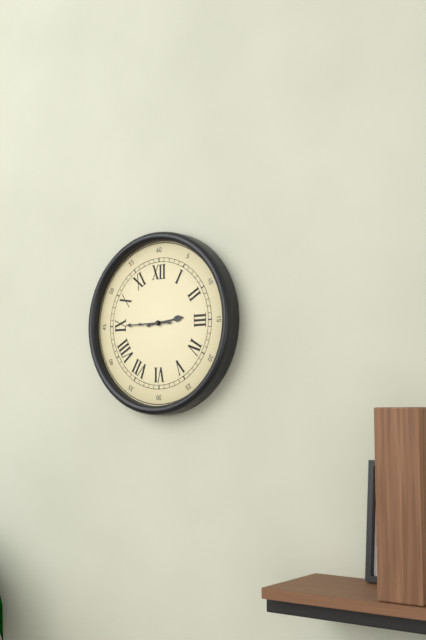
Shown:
2.45
